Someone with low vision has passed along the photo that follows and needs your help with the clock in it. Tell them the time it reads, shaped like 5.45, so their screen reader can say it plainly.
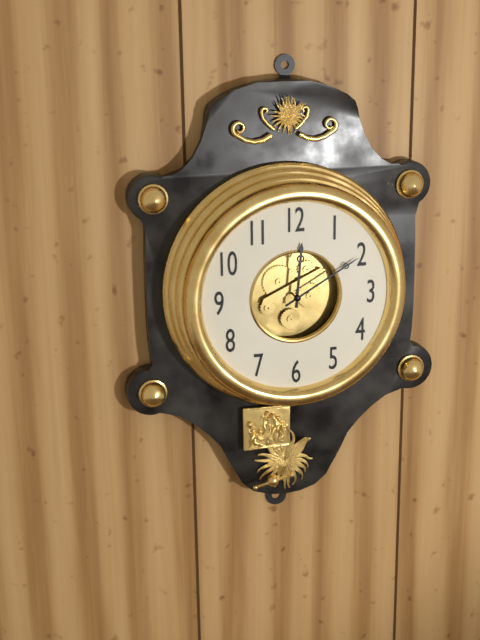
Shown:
12.10
